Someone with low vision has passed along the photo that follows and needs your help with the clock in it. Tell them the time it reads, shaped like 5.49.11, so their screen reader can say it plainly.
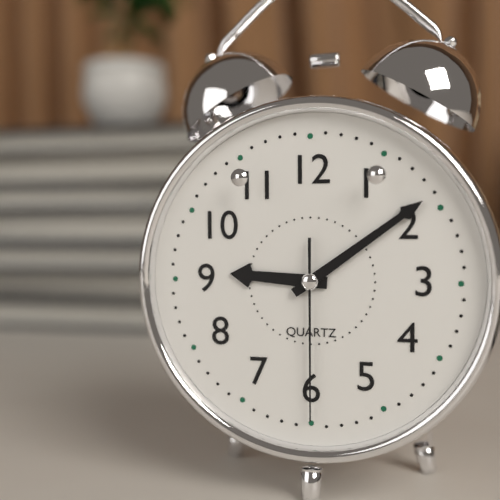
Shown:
9.09.30
